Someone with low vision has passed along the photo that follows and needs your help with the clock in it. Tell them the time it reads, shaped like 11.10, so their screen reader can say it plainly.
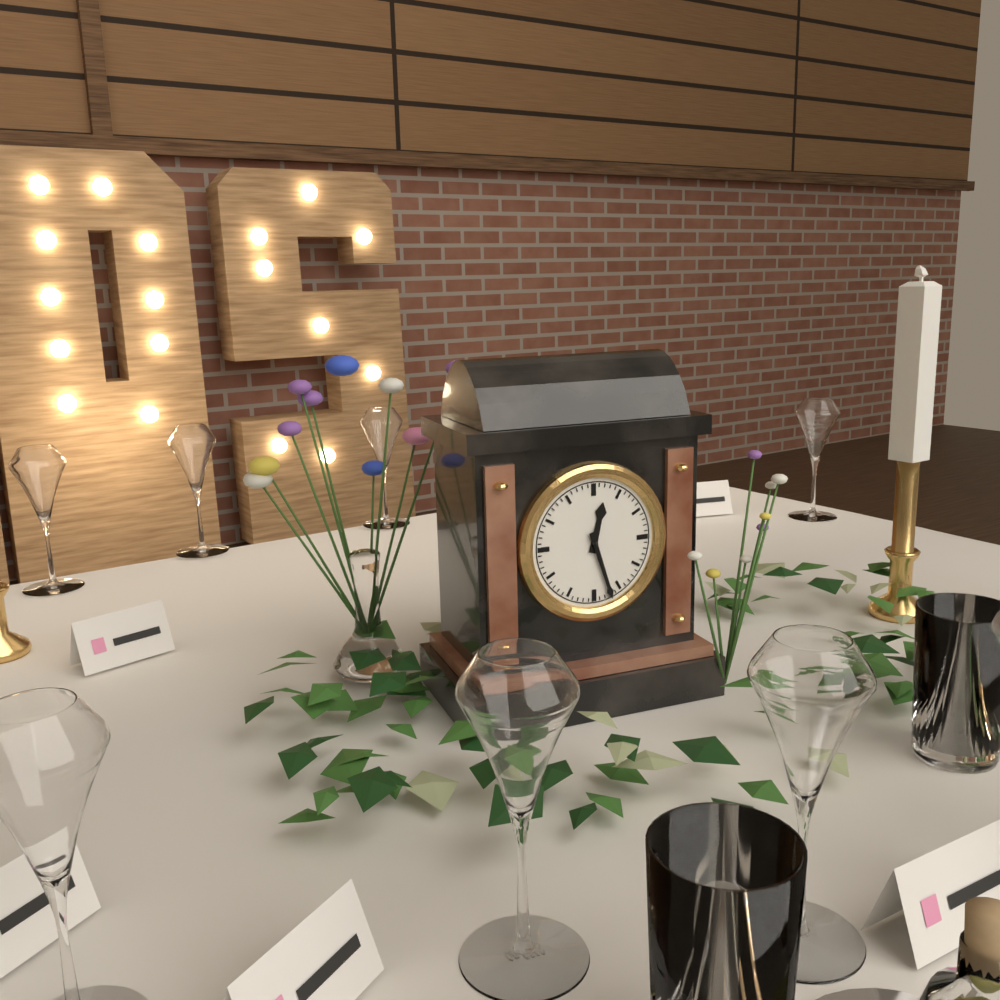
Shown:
12.27
